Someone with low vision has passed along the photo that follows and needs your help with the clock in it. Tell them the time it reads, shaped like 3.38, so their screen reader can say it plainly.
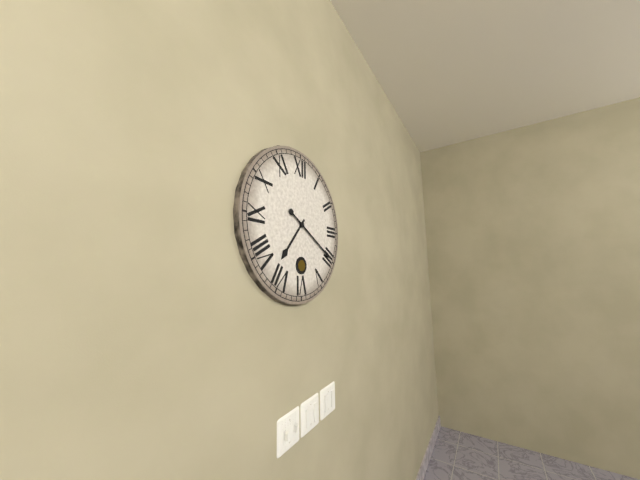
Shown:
7.20
